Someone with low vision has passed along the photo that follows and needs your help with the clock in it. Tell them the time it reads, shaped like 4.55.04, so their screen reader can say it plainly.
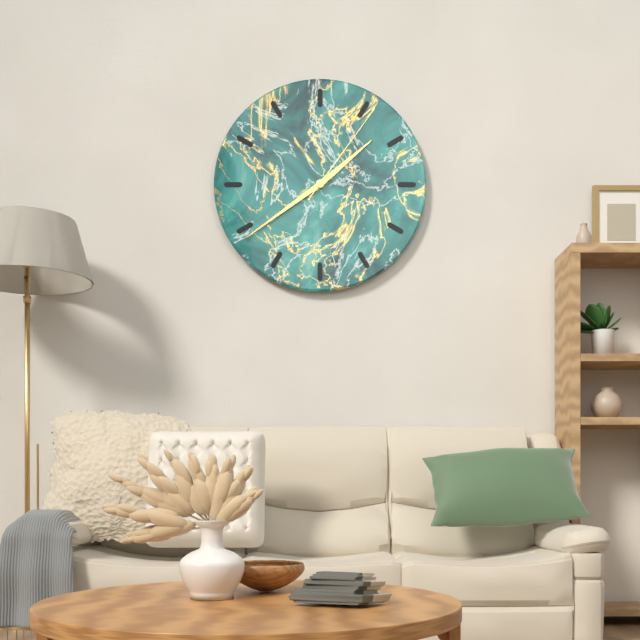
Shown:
1.39.06
